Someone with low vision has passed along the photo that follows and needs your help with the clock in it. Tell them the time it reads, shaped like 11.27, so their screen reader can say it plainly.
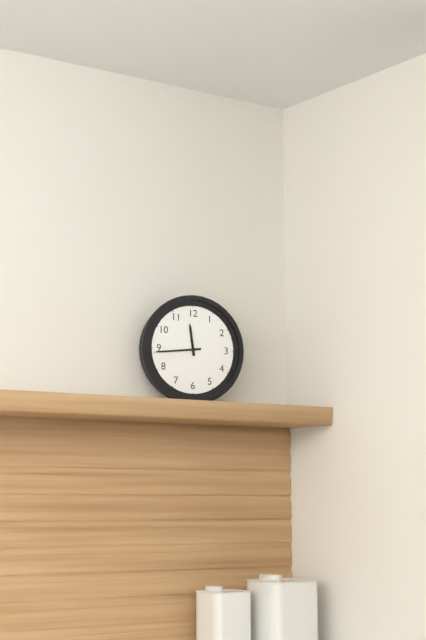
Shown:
11.44
